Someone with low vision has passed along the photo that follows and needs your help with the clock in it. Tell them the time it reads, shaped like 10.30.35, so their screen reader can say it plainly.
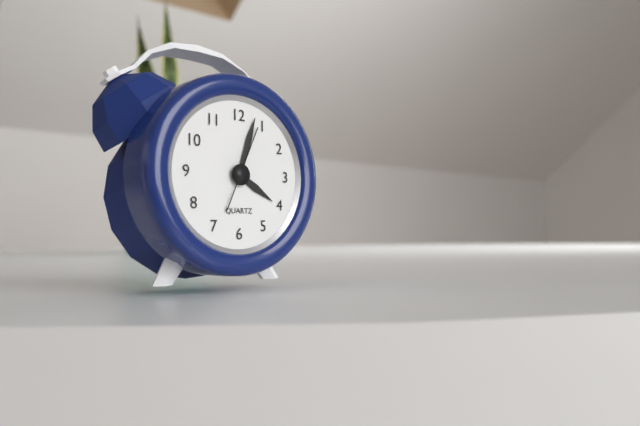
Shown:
4.03.04
